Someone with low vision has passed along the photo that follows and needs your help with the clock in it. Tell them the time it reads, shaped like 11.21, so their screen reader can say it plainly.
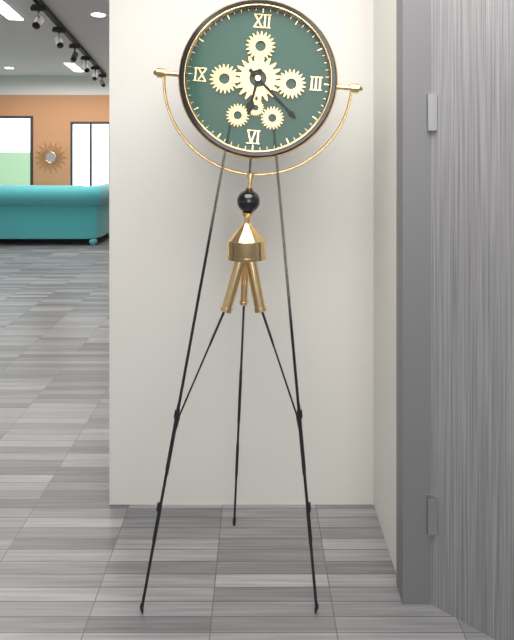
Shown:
6.22
